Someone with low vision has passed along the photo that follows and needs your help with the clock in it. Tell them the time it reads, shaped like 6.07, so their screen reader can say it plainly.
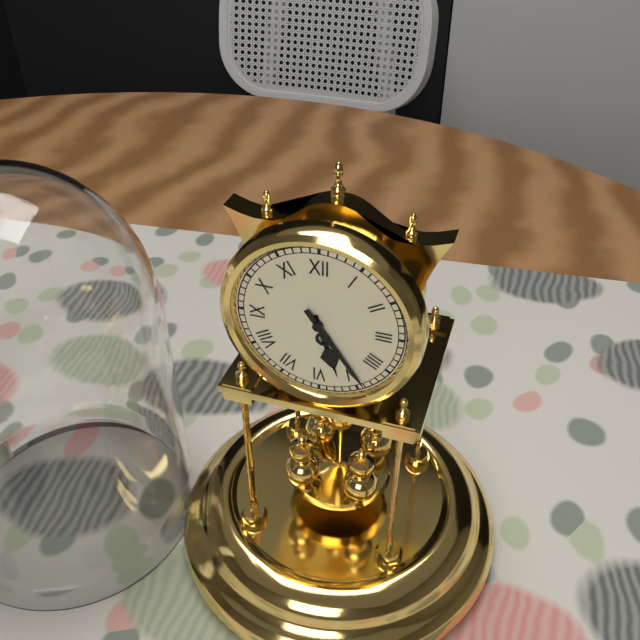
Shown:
5.24
